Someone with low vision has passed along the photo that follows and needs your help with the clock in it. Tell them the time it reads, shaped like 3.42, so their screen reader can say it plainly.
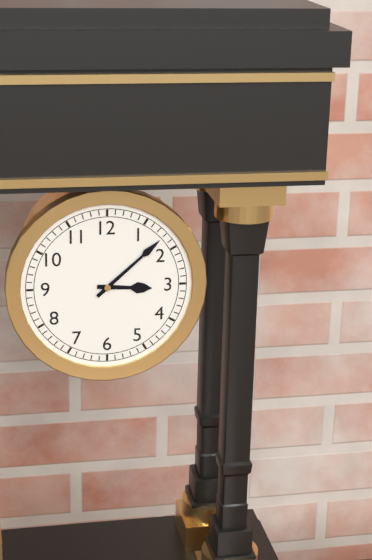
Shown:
3.08
